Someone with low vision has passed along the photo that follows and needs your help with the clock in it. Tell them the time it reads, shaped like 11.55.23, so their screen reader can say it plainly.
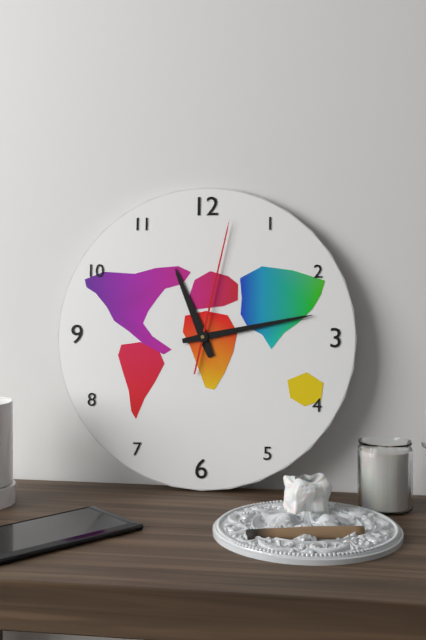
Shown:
11.13.02
